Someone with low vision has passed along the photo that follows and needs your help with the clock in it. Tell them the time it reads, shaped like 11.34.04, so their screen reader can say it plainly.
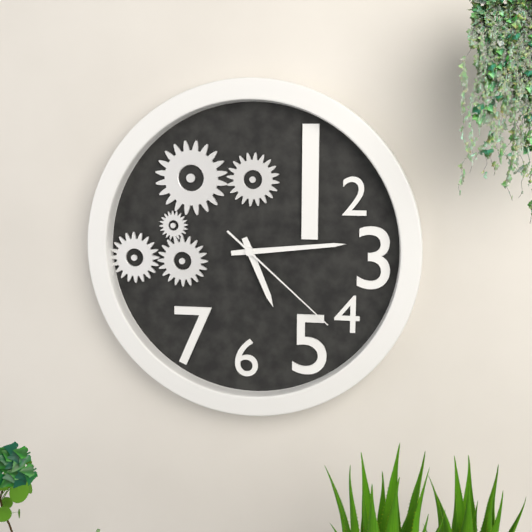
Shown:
5.14.22
